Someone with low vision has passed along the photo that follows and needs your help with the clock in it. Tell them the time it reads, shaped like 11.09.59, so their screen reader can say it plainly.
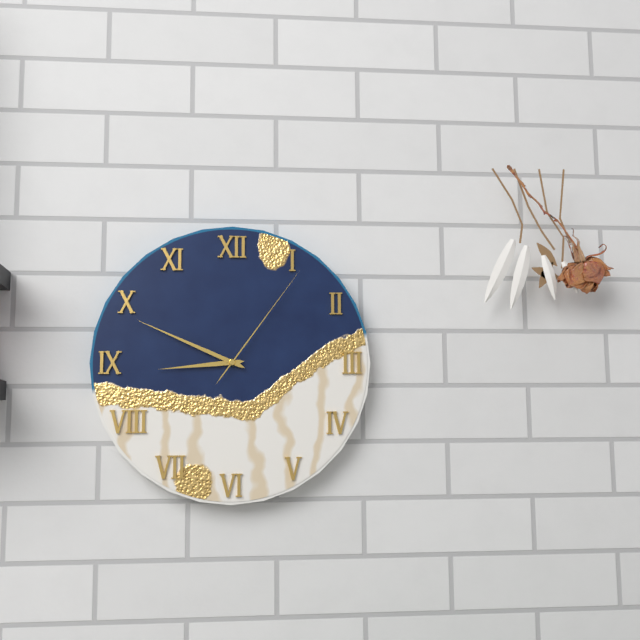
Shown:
8.49.06
